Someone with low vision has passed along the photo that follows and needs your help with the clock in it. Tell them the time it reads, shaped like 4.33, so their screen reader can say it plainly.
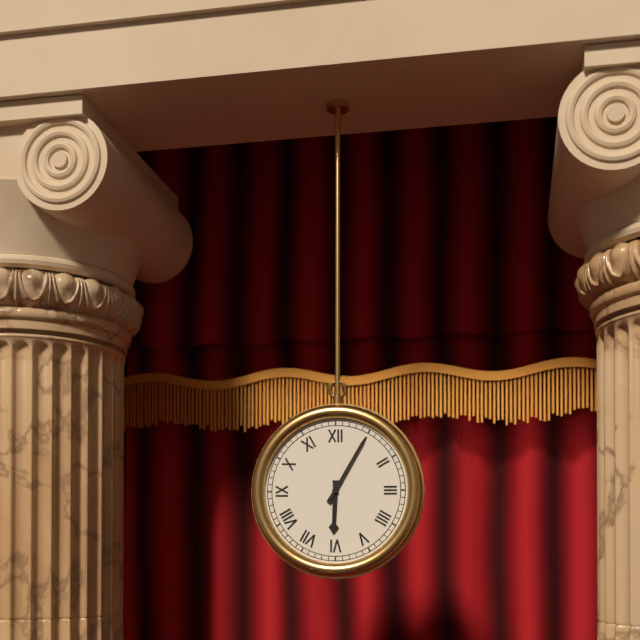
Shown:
6.05
